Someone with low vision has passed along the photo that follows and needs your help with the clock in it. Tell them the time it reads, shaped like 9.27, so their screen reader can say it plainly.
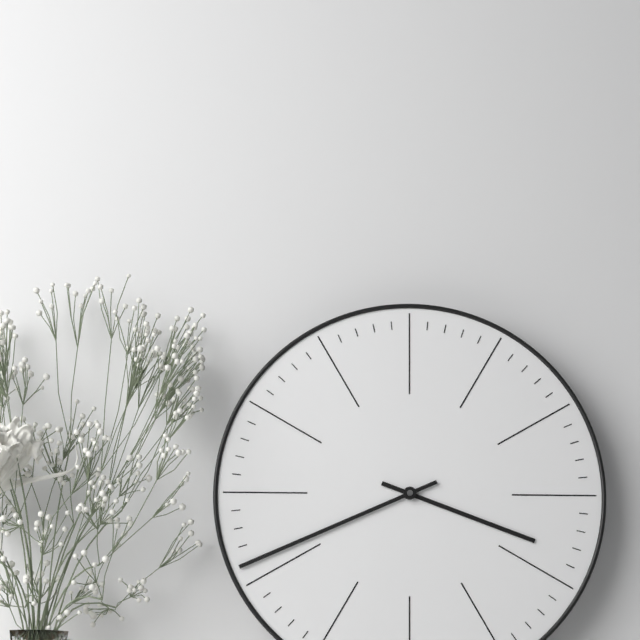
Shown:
3.41
